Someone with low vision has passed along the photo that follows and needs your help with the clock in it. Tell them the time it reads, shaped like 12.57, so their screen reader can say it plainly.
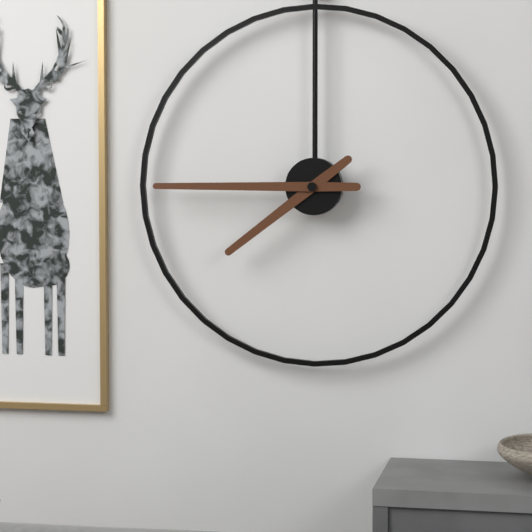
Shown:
7.45
